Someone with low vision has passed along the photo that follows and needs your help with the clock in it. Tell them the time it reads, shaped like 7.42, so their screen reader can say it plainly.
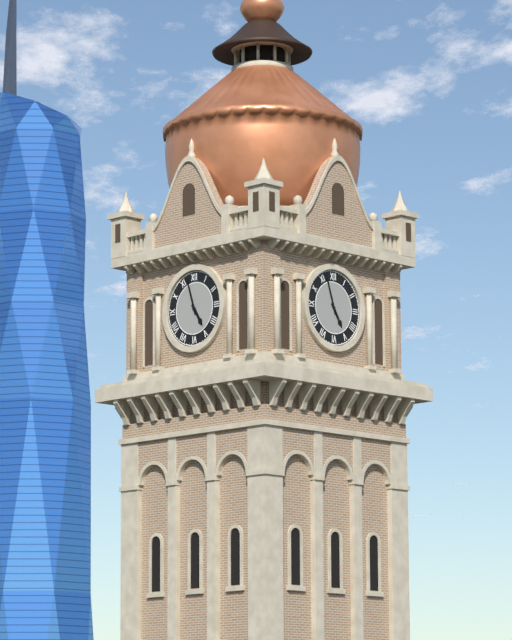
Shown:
4.57
